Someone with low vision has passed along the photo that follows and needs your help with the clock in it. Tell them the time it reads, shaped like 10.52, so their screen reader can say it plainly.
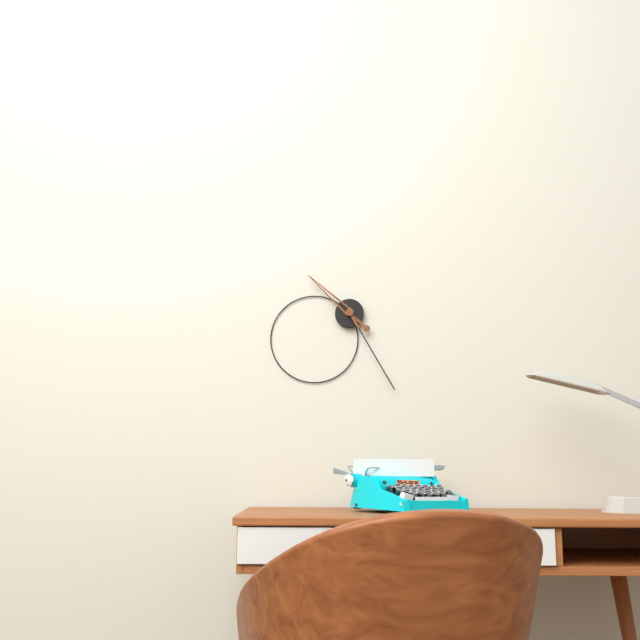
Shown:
10.25
